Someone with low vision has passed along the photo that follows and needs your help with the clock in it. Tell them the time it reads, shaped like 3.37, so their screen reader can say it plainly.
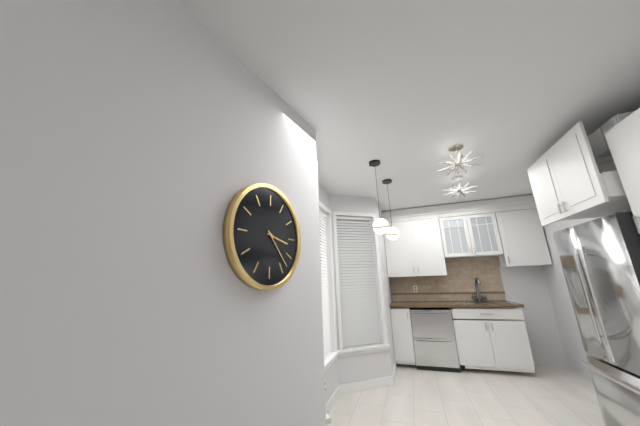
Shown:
3.23
